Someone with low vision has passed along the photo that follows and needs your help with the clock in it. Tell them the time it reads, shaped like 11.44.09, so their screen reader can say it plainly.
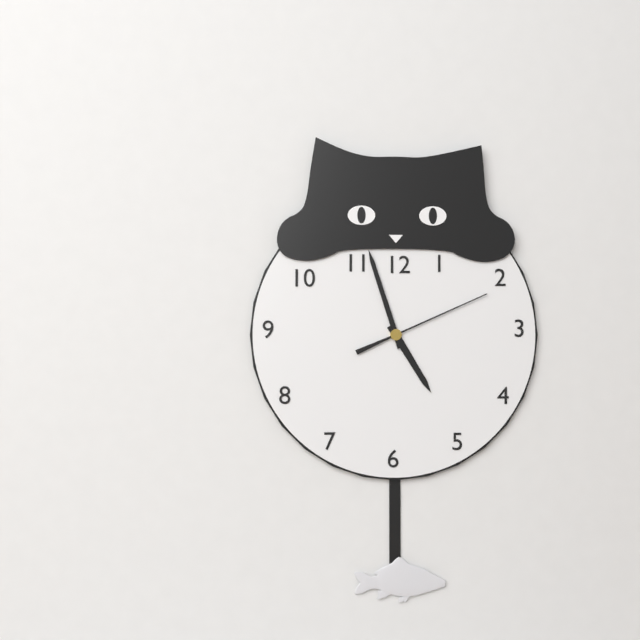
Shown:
4.57.11
